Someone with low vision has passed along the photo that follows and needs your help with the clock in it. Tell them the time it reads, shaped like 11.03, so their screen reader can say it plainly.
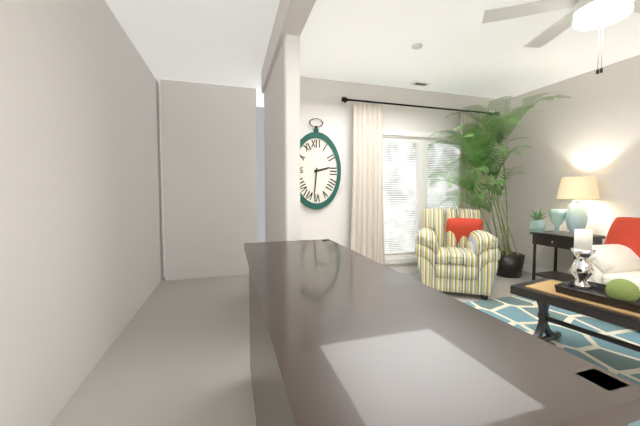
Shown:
2.31
